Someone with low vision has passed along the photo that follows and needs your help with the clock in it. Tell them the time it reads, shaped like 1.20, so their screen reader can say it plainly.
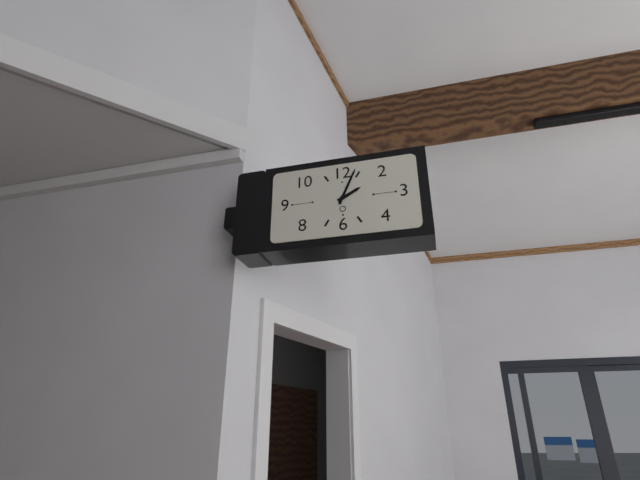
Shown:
2.04
